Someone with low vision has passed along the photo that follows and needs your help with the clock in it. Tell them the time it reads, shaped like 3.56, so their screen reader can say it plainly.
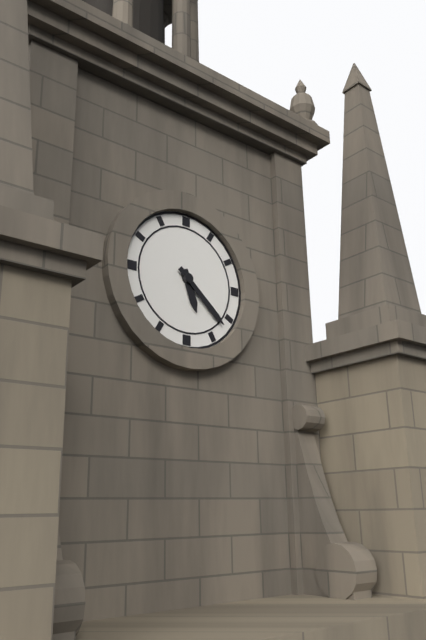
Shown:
5.22
